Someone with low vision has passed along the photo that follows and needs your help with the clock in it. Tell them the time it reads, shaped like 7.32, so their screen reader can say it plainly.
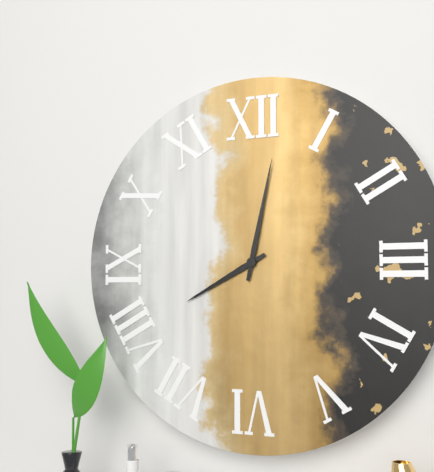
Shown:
8.02
